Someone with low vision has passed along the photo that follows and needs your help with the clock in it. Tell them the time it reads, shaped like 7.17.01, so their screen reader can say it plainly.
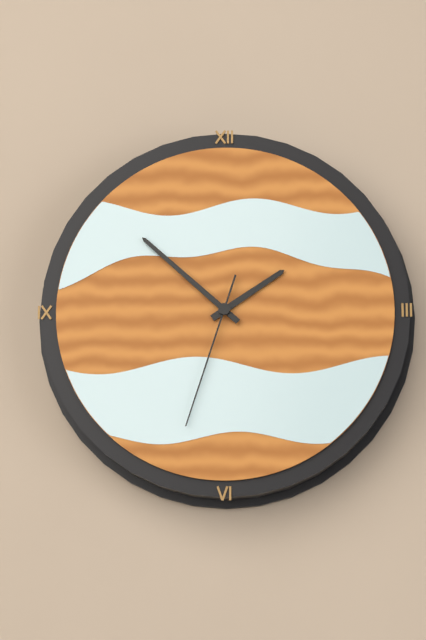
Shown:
1.52.33
